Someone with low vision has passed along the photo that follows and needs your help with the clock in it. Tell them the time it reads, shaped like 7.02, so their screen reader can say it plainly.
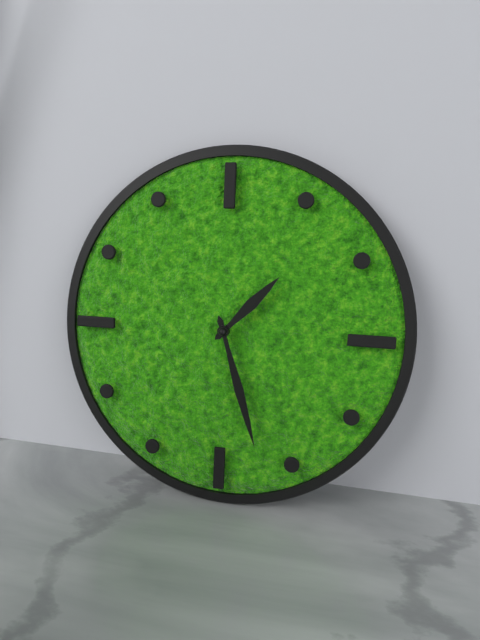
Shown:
1.27
